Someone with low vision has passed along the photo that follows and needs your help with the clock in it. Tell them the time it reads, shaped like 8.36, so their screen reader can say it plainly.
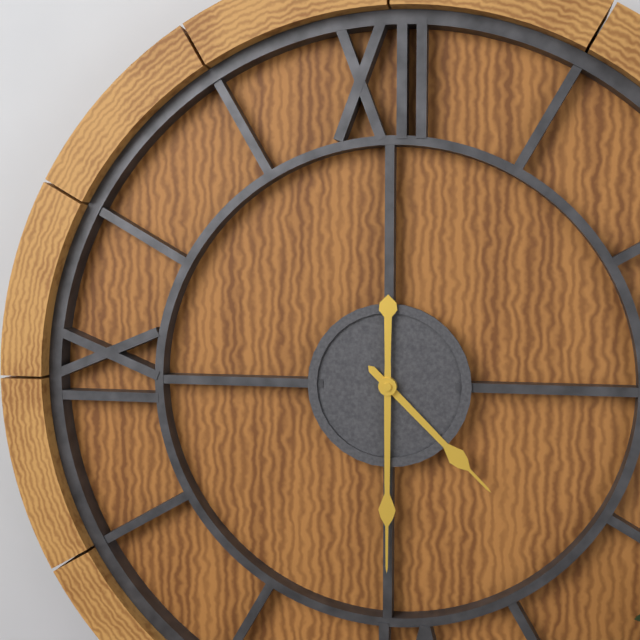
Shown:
4.30
